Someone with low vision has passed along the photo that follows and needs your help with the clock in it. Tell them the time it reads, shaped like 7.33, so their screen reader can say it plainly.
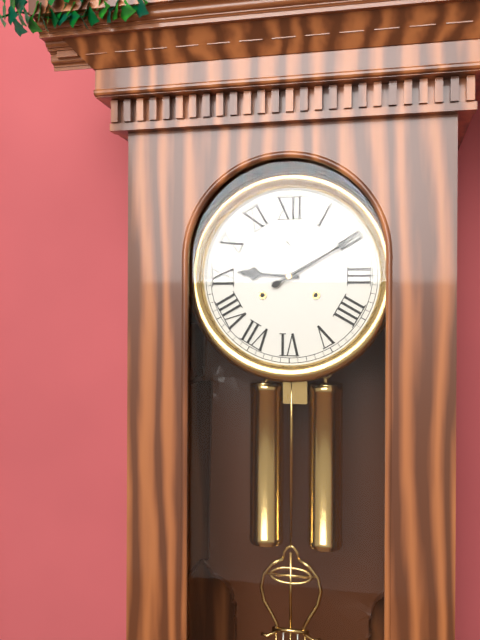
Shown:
9.10
